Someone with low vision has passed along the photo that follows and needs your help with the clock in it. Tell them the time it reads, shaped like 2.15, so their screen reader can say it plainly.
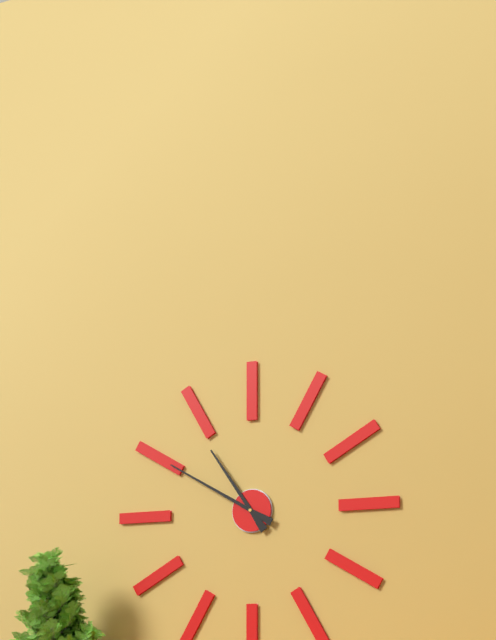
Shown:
10.50
